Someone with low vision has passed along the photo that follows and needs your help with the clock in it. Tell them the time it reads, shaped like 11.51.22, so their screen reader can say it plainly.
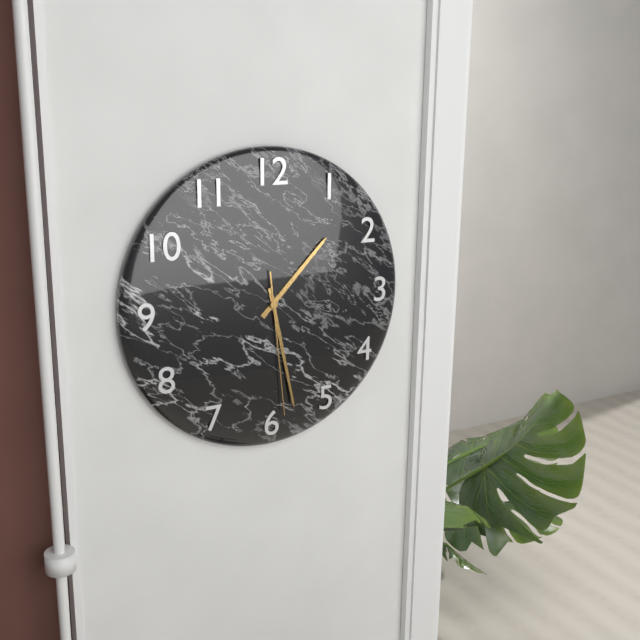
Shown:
1.28.29
